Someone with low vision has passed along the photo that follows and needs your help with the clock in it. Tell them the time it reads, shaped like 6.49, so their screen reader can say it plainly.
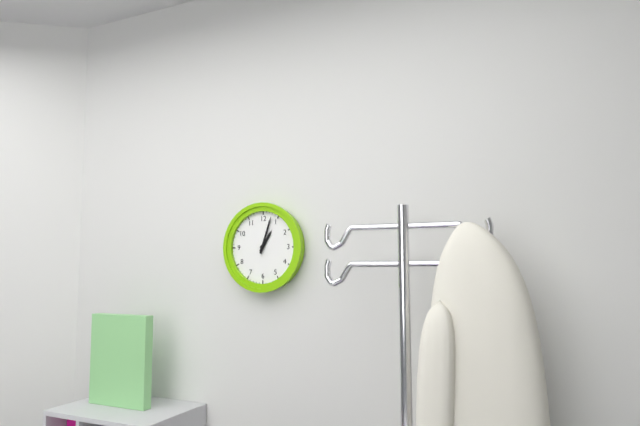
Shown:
1.03
